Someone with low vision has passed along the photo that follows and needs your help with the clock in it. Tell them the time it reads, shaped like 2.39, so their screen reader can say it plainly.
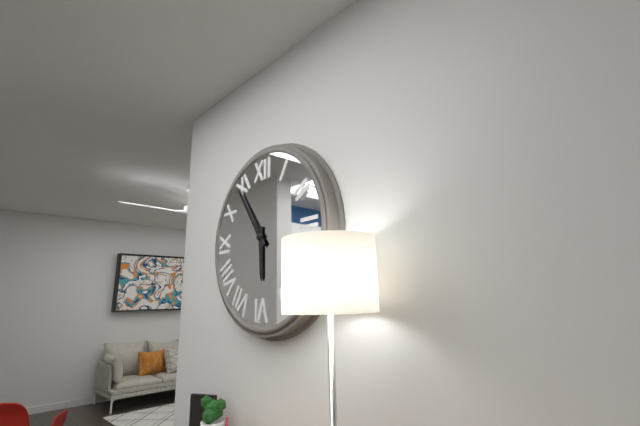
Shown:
5.54
